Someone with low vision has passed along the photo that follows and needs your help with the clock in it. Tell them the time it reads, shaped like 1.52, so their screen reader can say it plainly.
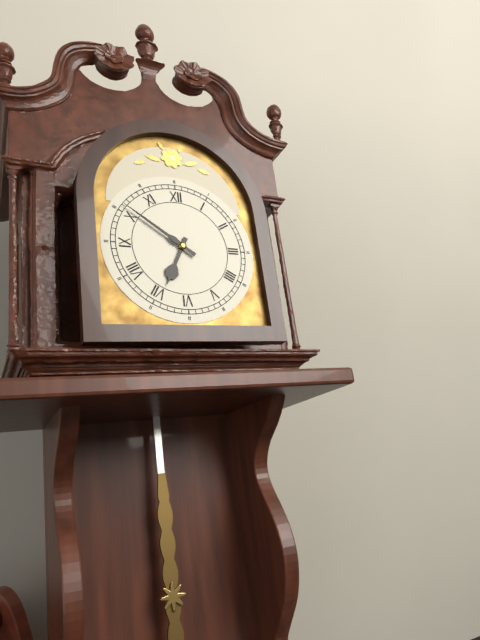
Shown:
6.51
